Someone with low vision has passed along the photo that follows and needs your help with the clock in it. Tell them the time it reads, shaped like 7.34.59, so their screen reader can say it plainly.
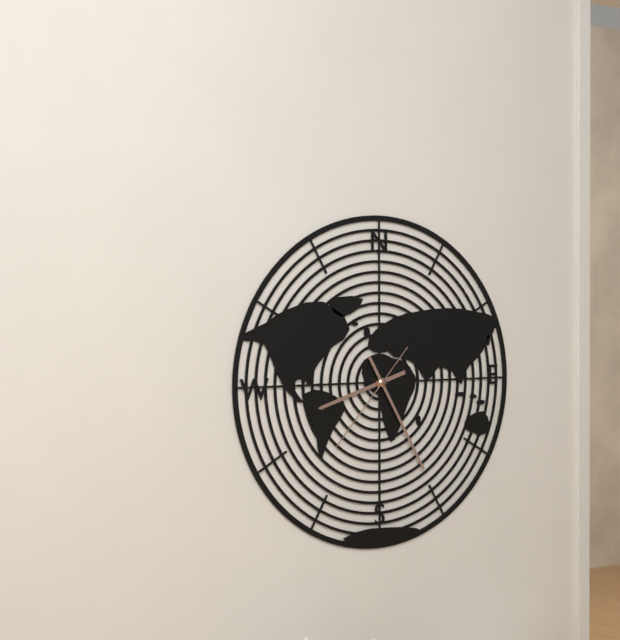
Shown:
8.25.37
